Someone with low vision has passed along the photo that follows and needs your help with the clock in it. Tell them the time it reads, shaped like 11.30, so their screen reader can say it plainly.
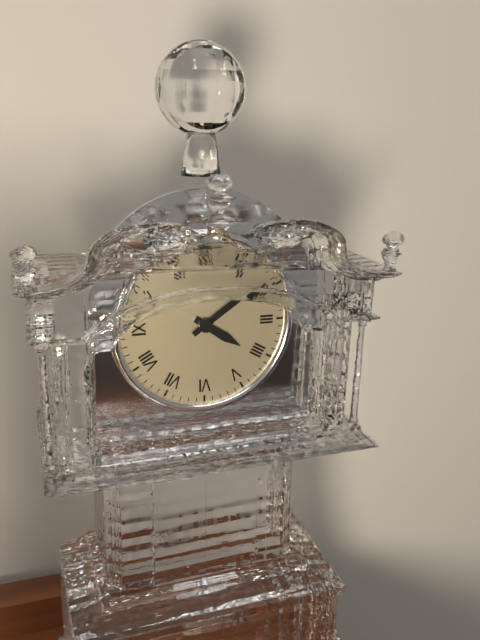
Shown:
4.09
